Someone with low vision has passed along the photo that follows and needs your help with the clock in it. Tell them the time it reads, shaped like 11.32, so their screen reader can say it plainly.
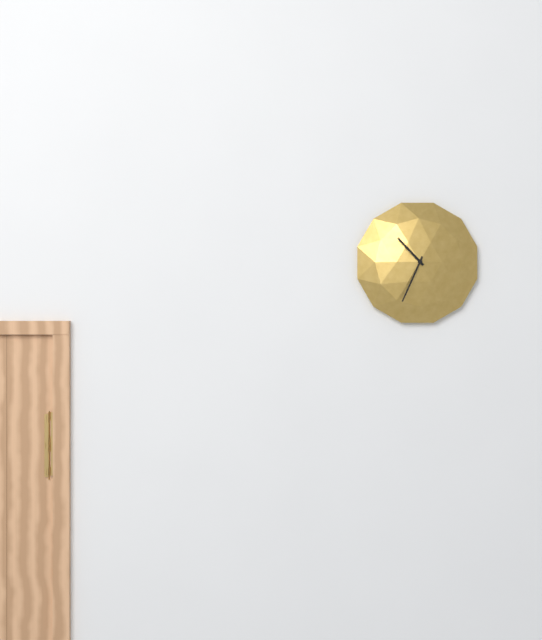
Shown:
10.34
